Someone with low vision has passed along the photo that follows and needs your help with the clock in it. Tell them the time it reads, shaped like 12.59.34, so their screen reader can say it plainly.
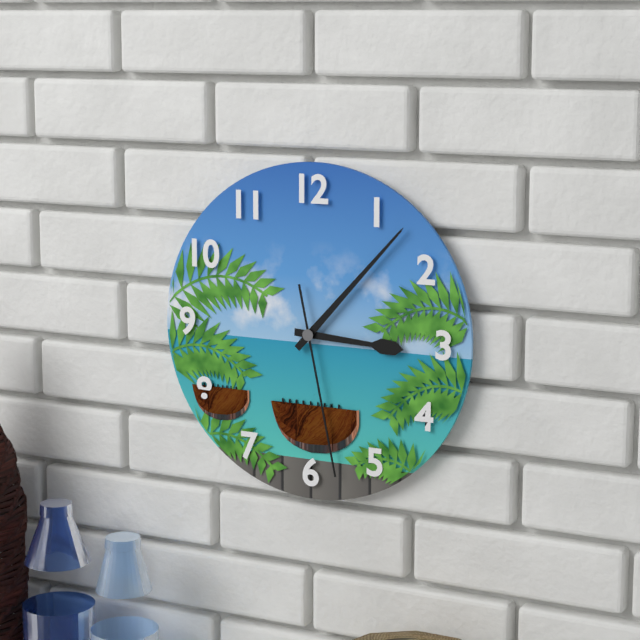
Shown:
3.07.28
